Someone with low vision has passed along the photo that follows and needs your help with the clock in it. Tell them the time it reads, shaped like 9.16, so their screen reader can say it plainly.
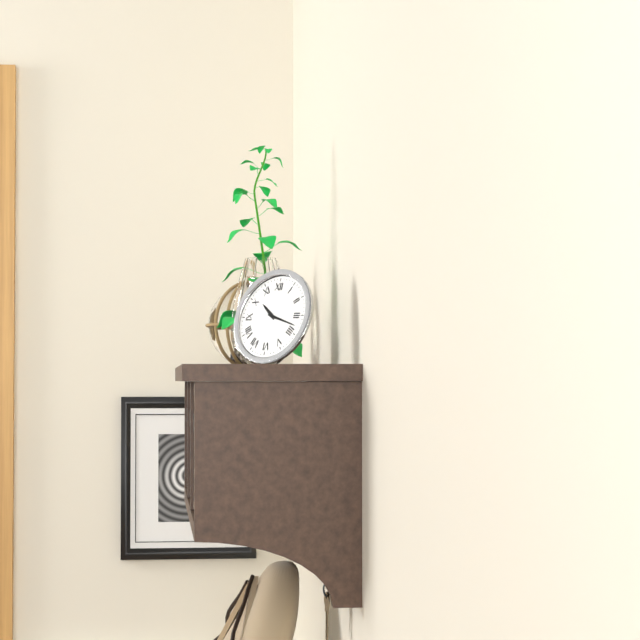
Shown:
10.18
